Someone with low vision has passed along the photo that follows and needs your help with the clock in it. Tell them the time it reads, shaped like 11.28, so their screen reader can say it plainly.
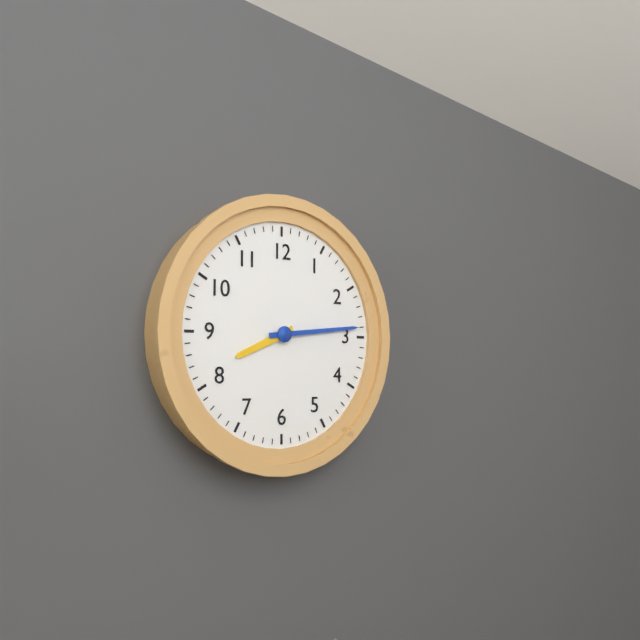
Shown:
8.14
